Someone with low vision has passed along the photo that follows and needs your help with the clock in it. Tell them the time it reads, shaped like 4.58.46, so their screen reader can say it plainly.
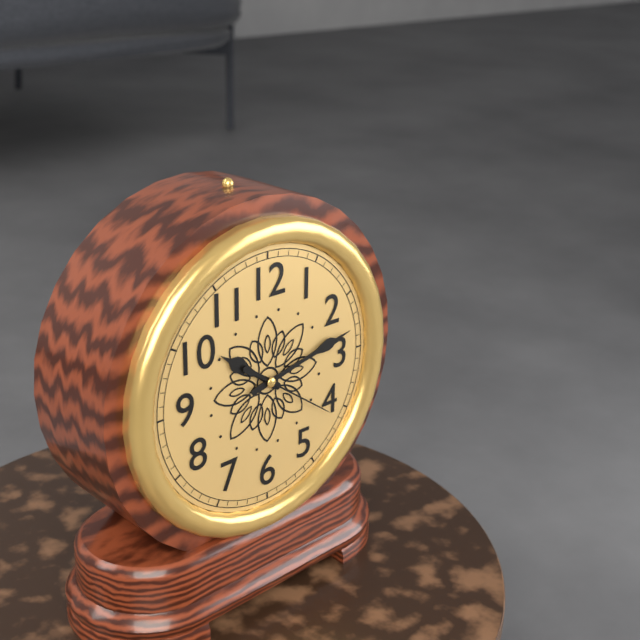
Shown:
10.13.21
